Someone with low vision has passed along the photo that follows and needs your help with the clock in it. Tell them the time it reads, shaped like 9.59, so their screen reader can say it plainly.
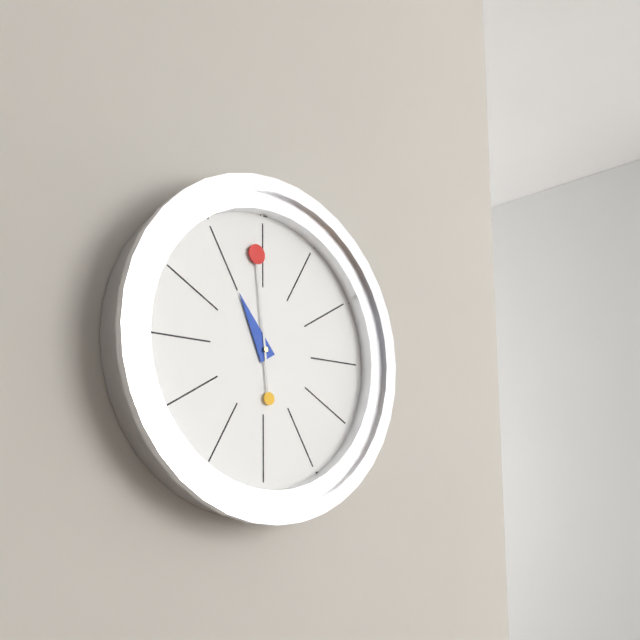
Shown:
10.59
